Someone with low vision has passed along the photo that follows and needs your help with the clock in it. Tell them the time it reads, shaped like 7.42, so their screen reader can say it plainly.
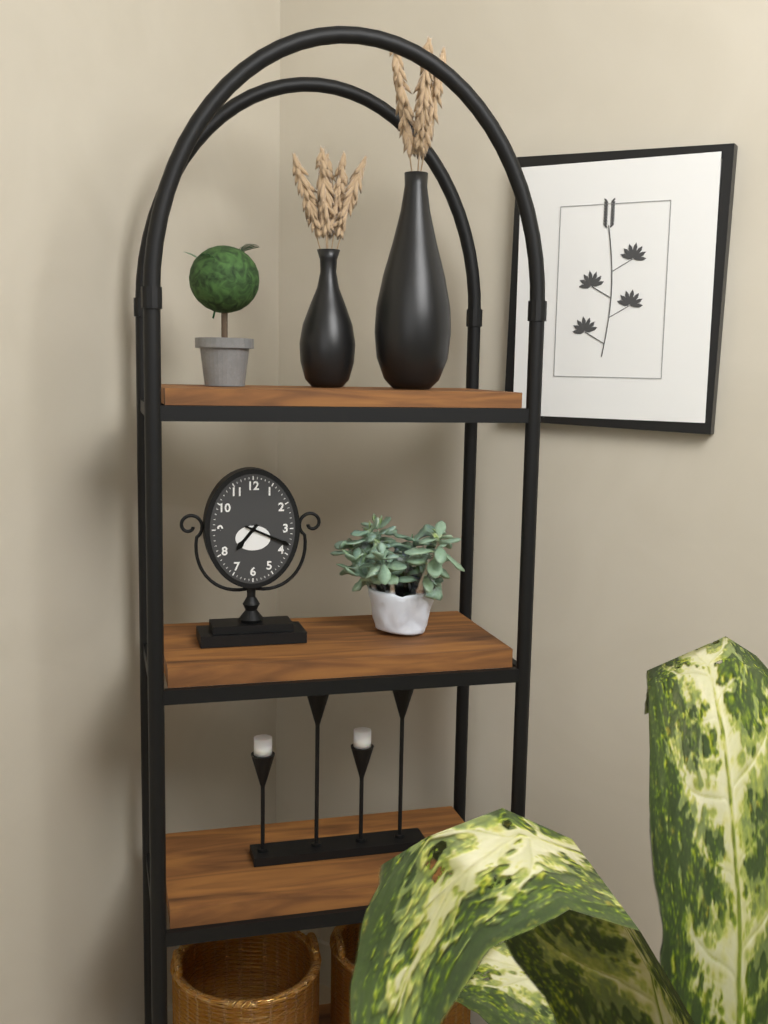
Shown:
7.19
